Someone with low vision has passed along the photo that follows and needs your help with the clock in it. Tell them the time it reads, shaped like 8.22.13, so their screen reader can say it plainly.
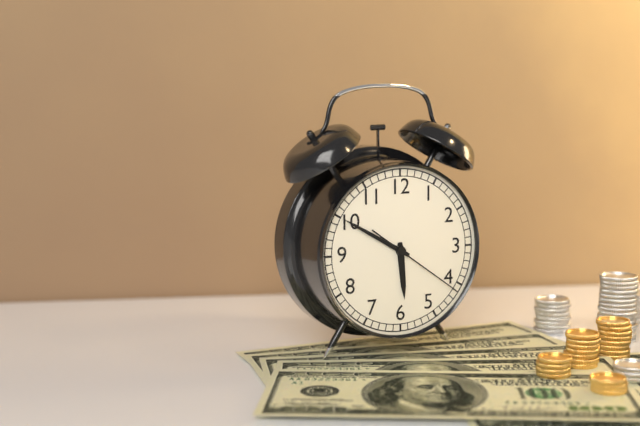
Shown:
5.50.21
